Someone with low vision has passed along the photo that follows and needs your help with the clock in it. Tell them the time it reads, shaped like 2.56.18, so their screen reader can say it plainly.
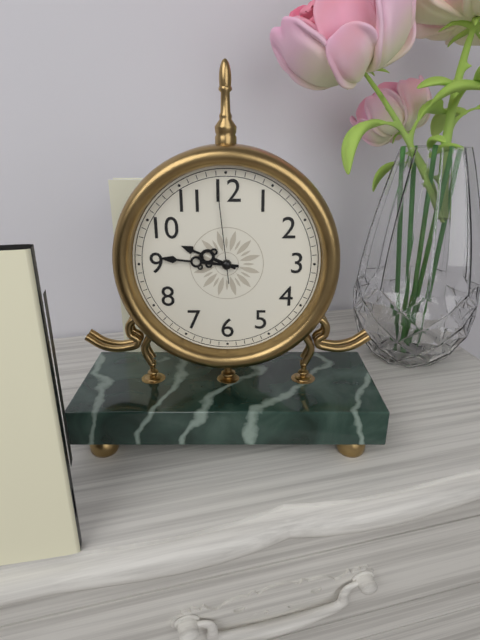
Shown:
9.46.59
